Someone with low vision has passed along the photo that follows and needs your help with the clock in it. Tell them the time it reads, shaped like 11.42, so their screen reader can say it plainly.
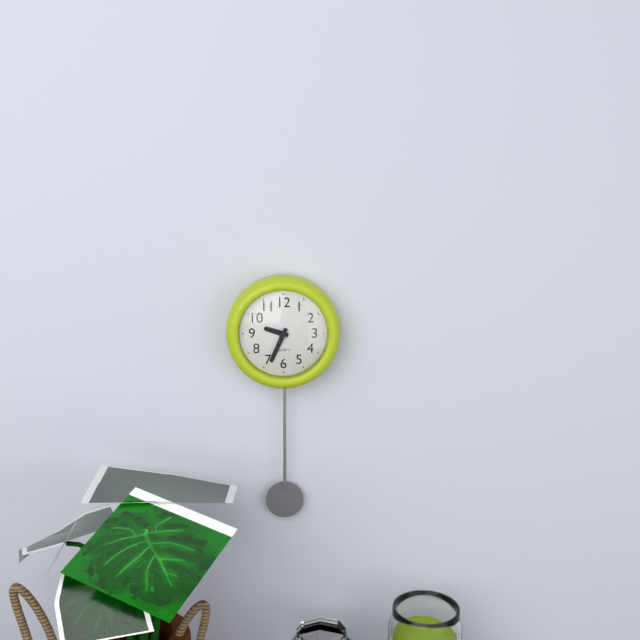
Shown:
9.34
